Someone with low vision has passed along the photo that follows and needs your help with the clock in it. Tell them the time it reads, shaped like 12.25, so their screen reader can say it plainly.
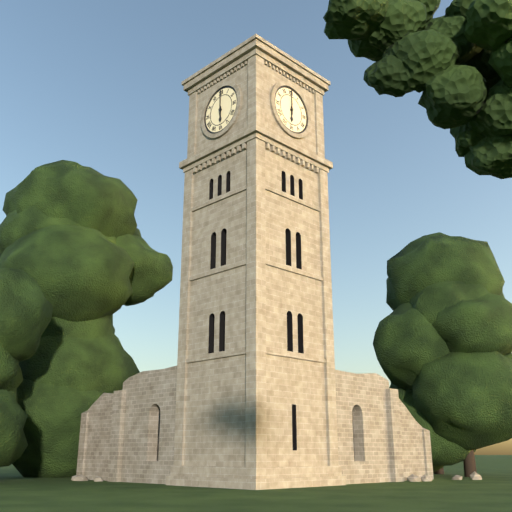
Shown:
6.00
